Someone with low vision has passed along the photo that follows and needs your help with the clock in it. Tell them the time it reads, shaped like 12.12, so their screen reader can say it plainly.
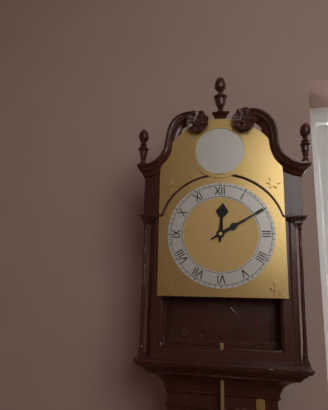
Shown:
12.10
